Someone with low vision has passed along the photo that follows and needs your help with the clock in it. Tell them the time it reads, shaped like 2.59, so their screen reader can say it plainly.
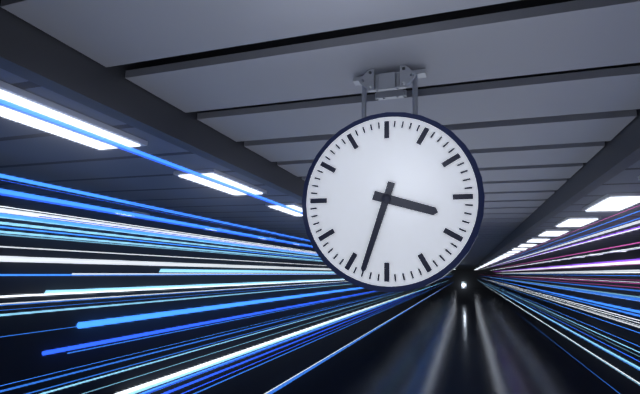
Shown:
3.33
